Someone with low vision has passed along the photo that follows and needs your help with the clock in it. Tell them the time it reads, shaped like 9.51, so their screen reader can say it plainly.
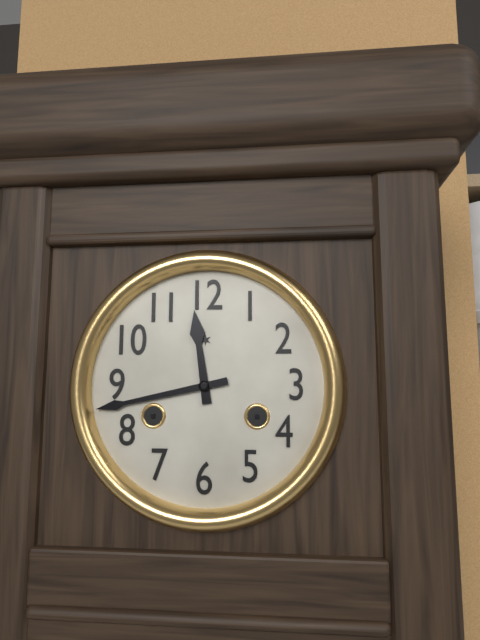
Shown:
11.43
